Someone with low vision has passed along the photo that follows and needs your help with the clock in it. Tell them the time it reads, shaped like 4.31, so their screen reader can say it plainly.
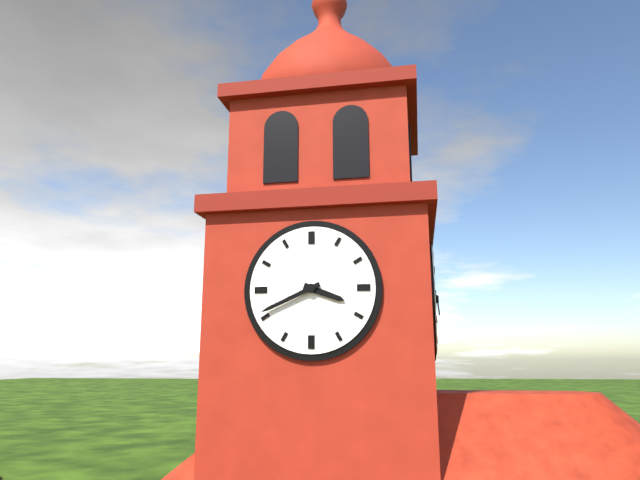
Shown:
3.41
